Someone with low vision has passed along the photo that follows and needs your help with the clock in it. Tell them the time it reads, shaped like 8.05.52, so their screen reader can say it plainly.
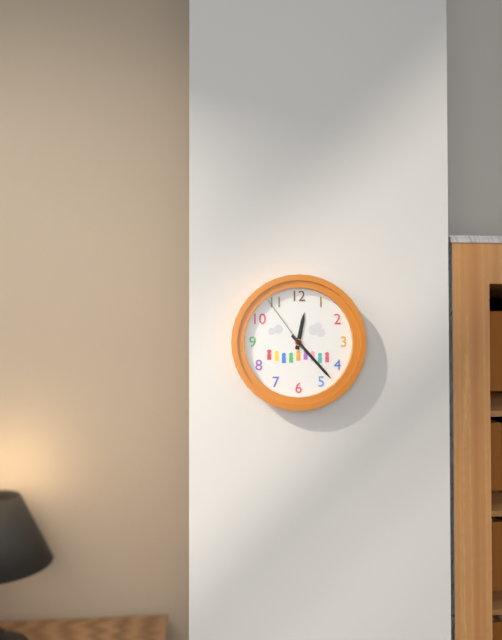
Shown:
12.23.54
